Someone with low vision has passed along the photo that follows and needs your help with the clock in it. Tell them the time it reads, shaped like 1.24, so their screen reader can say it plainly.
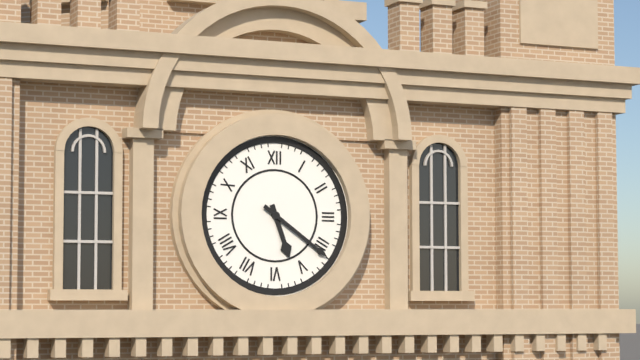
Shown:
5.21
